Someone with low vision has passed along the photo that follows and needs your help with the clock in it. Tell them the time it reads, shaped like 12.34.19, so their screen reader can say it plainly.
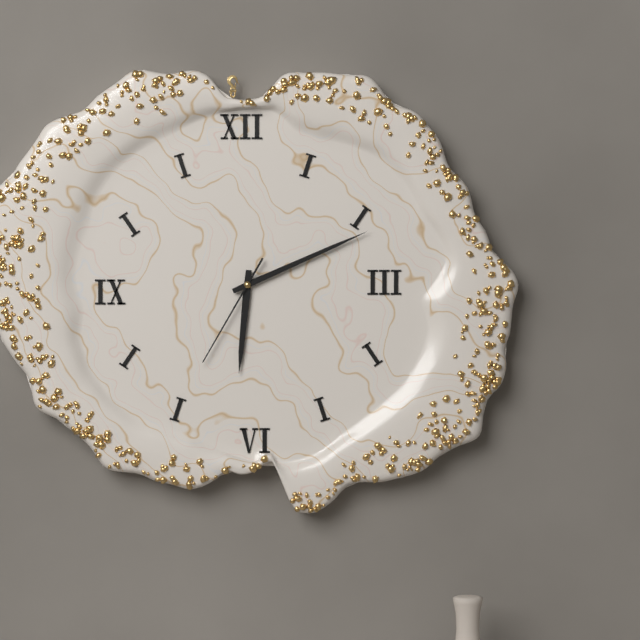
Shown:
6.11.35
